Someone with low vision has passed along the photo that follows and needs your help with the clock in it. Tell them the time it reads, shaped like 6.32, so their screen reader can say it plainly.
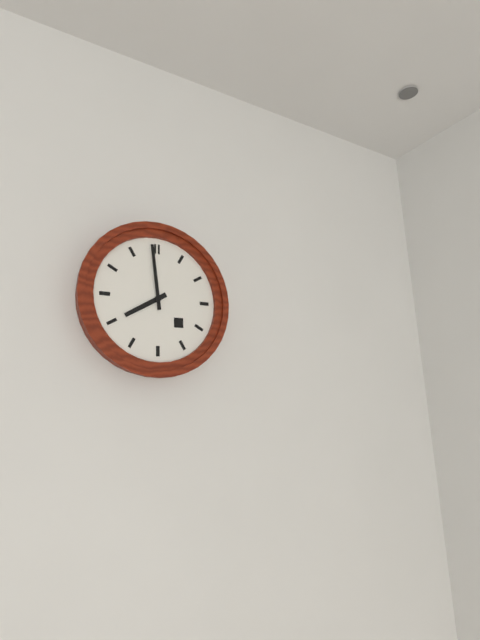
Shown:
7.59
